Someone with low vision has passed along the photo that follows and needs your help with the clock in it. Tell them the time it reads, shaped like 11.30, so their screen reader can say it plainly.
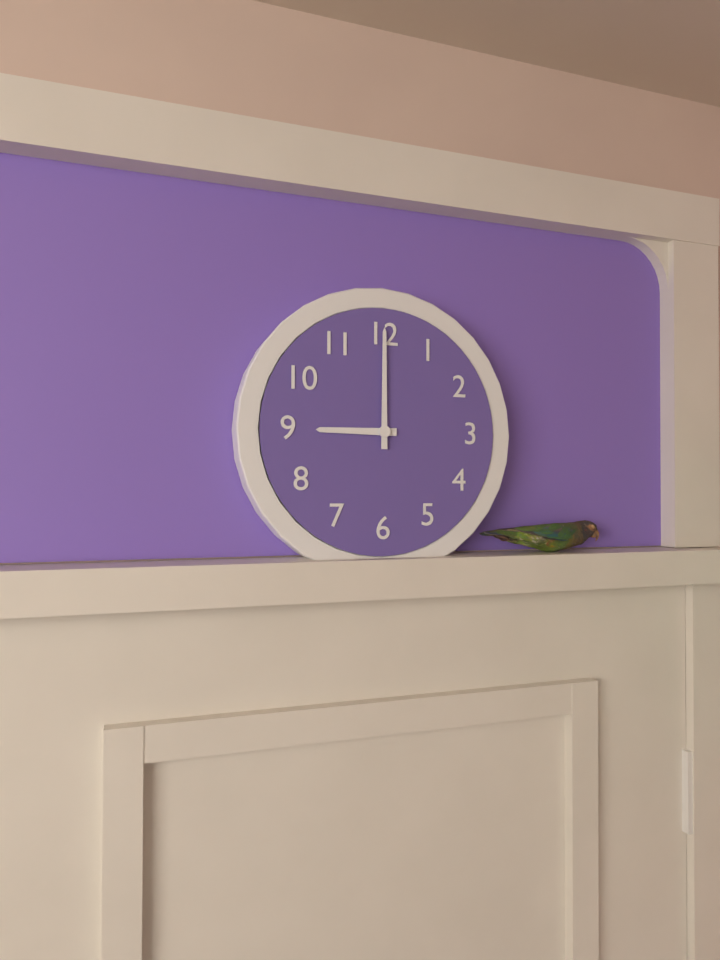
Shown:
9.00
